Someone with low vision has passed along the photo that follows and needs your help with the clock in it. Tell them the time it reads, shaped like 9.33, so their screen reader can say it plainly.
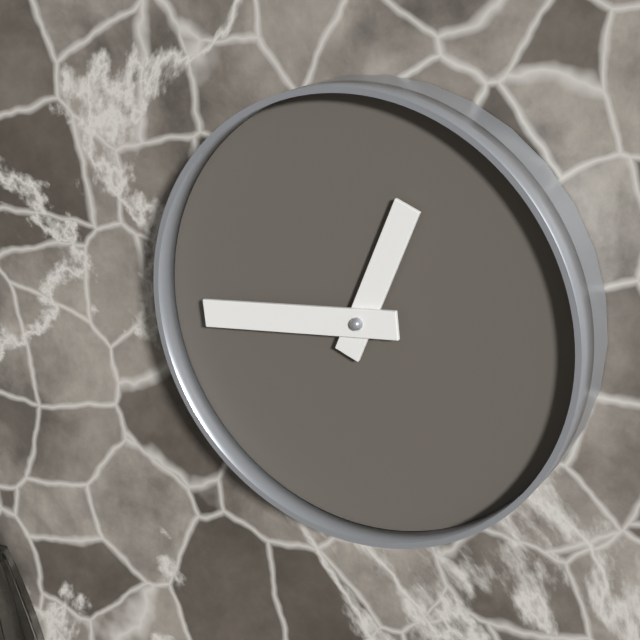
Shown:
12.44
